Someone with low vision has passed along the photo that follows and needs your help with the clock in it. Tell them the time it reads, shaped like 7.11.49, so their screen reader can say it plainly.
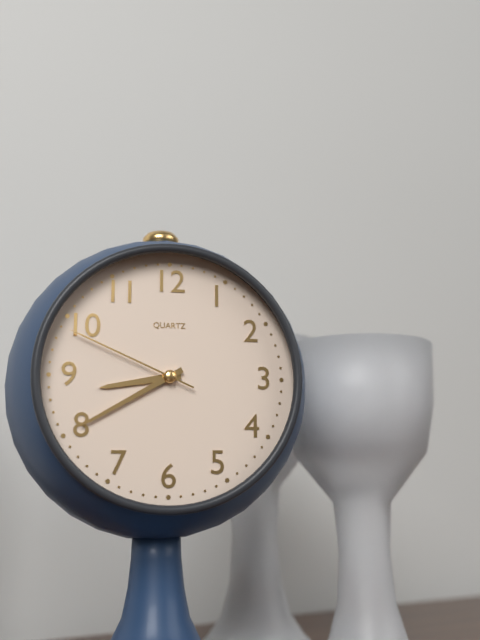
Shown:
8.40.49
